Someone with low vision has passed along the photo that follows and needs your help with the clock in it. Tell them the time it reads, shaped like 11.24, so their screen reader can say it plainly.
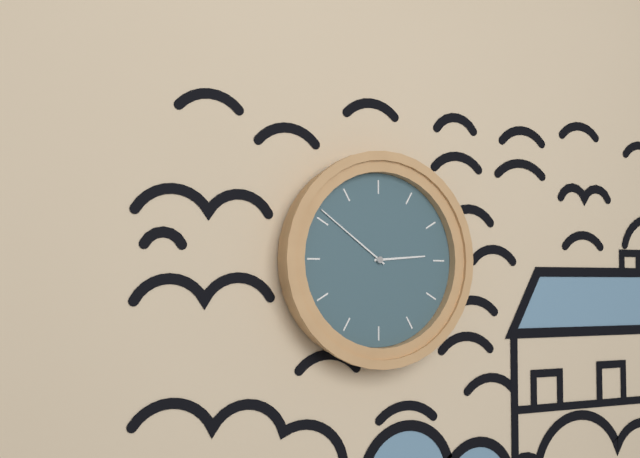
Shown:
2.51
